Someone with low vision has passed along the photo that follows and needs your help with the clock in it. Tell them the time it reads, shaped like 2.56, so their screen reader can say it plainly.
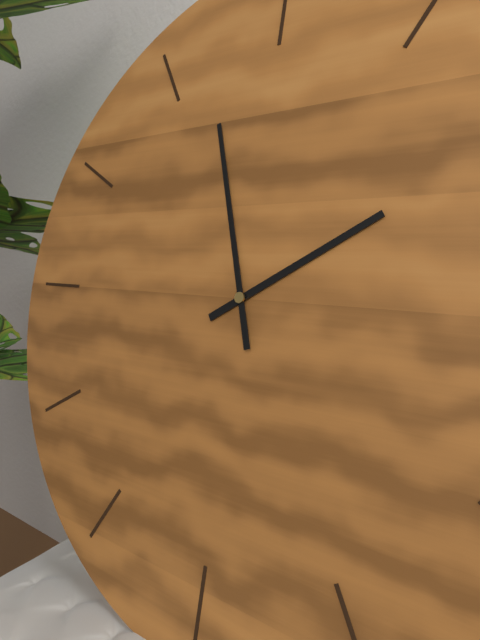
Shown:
1.57
